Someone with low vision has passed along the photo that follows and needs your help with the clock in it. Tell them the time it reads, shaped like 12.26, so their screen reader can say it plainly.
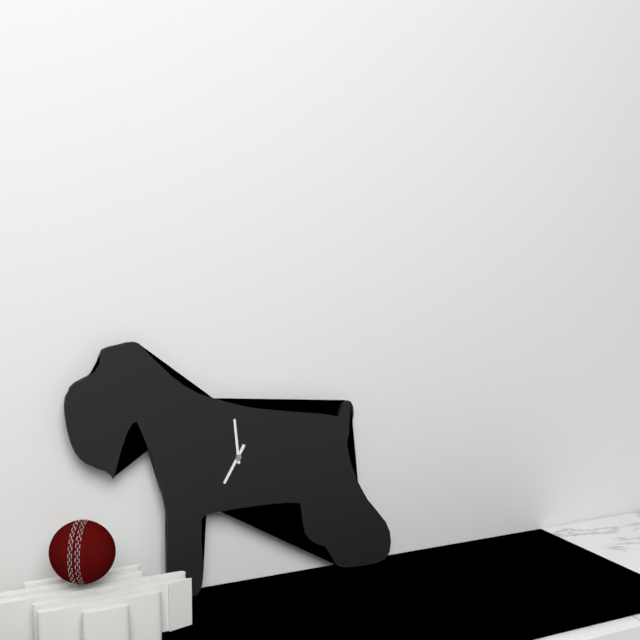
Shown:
6.59
